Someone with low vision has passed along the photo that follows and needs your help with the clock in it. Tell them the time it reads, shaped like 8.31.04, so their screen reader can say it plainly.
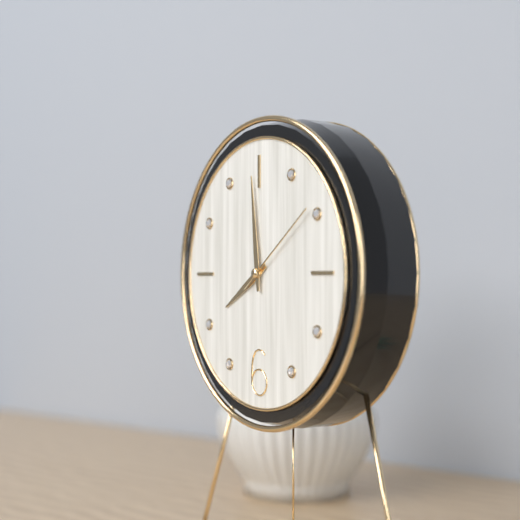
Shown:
7.59.09
